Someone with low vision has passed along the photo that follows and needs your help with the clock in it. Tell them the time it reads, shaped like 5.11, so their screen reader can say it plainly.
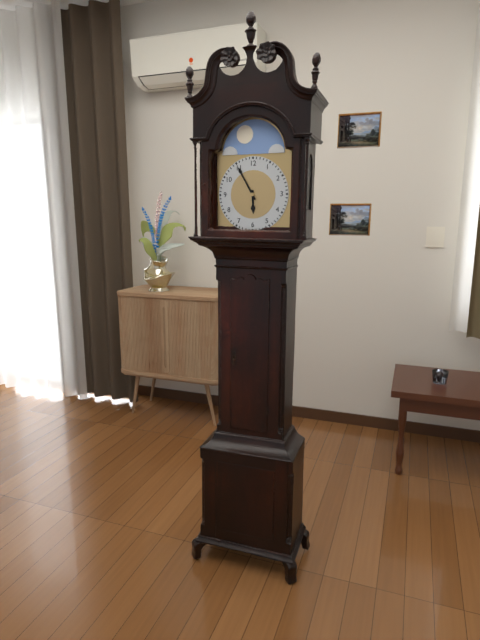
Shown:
5.55
